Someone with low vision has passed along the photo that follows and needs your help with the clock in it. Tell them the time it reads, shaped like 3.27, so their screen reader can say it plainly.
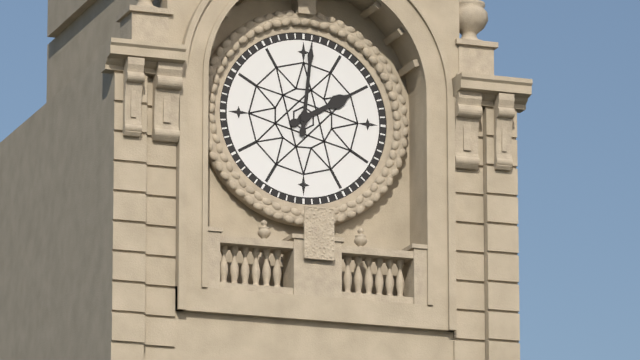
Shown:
2.01
